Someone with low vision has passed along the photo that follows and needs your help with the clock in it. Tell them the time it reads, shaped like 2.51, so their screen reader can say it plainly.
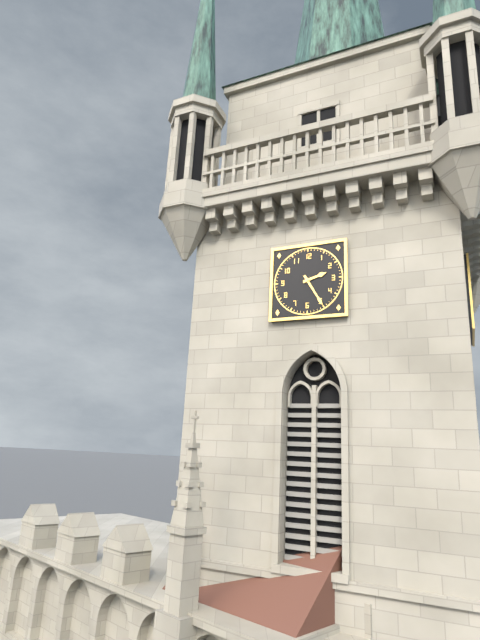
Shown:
2.25
